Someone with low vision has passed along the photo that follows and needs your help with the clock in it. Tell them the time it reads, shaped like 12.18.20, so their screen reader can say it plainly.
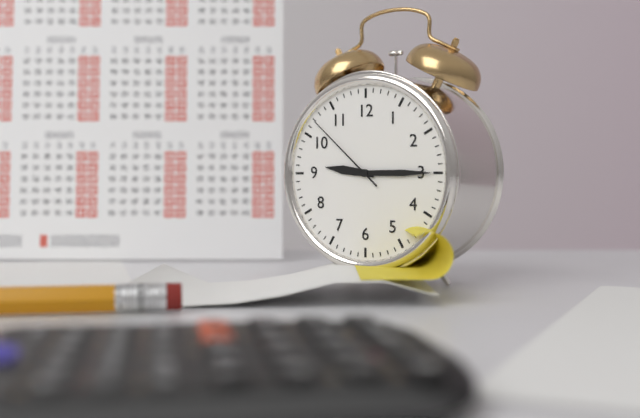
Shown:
9.15.52
